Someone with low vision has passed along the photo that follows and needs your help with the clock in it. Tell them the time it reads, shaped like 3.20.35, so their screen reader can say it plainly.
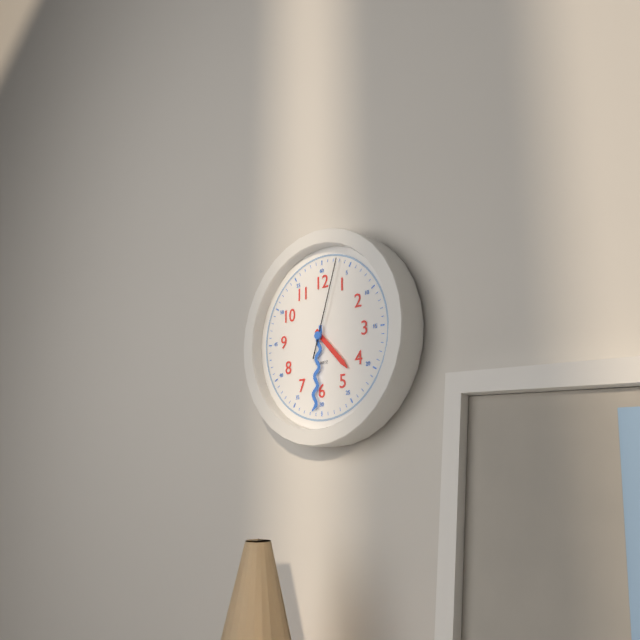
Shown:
4.31.03
